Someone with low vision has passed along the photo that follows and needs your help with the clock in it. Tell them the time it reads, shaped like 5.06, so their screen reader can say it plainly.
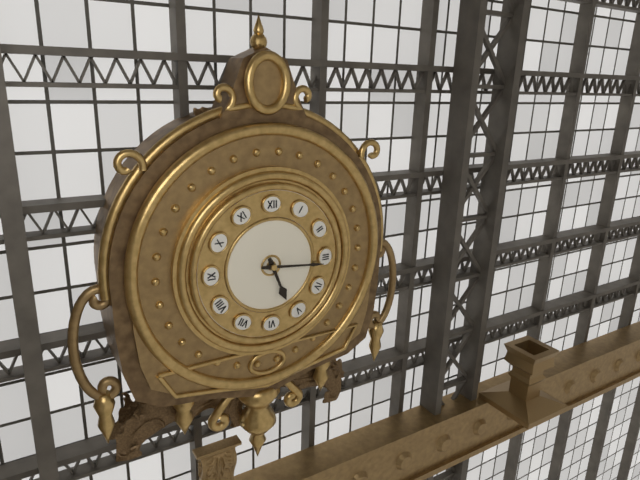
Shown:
5.16
